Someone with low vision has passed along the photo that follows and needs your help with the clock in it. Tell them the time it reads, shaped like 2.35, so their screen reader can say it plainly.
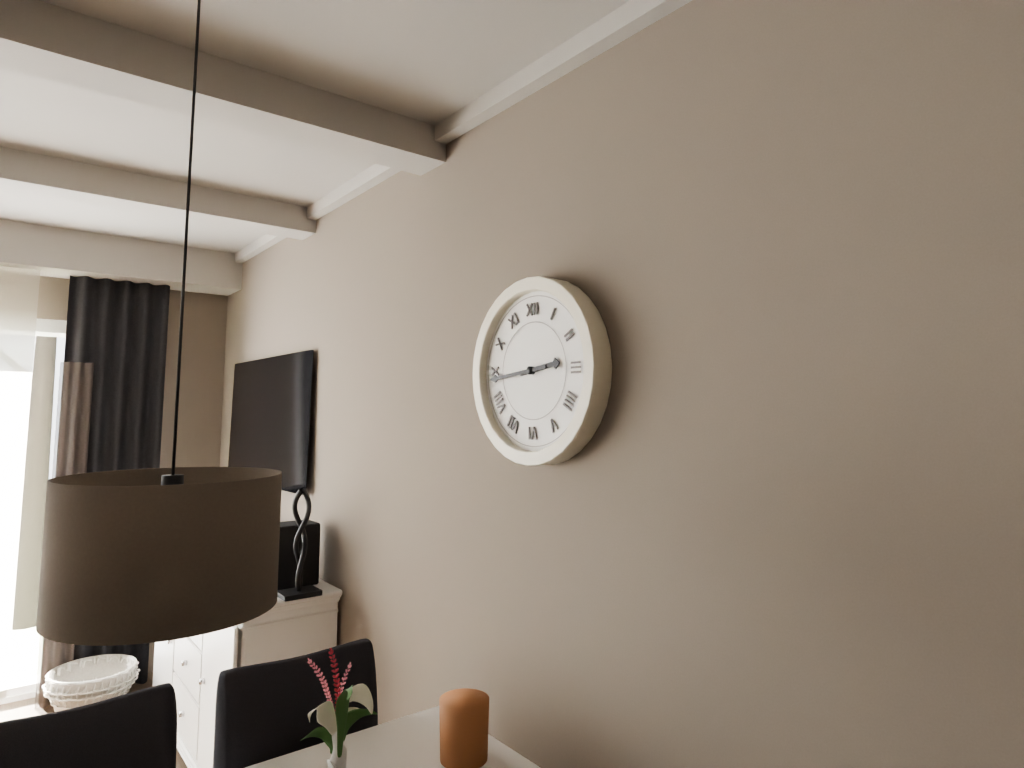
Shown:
2.44
